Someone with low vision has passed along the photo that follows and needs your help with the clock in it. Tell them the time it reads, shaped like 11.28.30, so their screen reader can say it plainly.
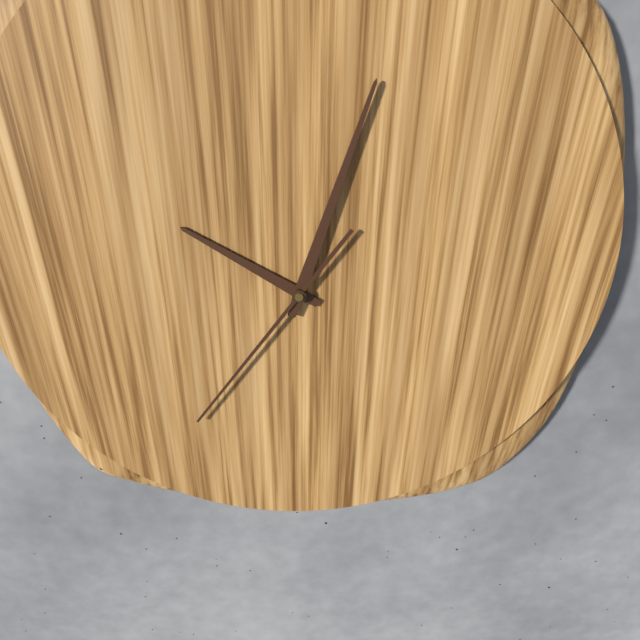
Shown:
10.03.36
